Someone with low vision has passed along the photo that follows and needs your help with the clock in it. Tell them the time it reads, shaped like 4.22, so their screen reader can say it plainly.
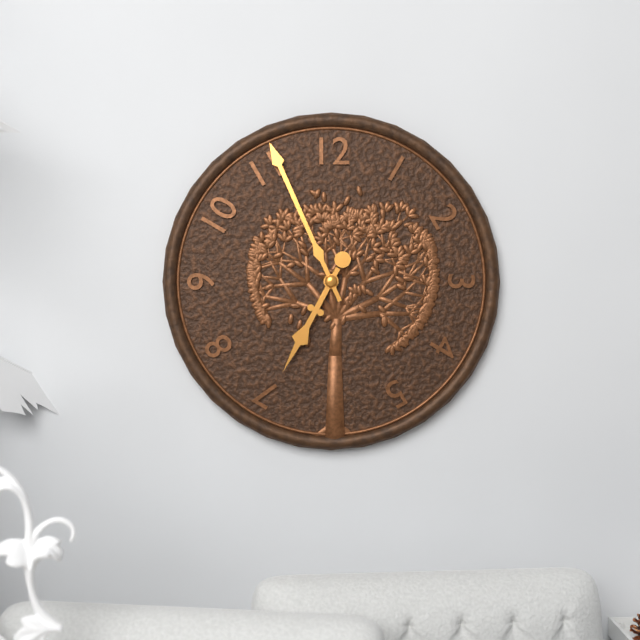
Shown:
6.56
